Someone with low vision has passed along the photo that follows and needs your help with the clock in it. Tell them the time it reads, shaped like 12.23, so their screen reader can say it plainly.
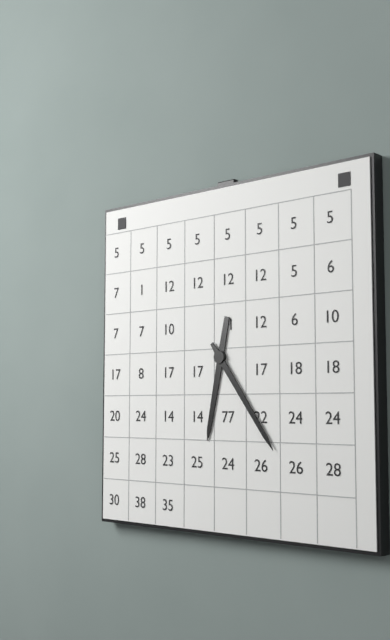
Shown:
6.24
